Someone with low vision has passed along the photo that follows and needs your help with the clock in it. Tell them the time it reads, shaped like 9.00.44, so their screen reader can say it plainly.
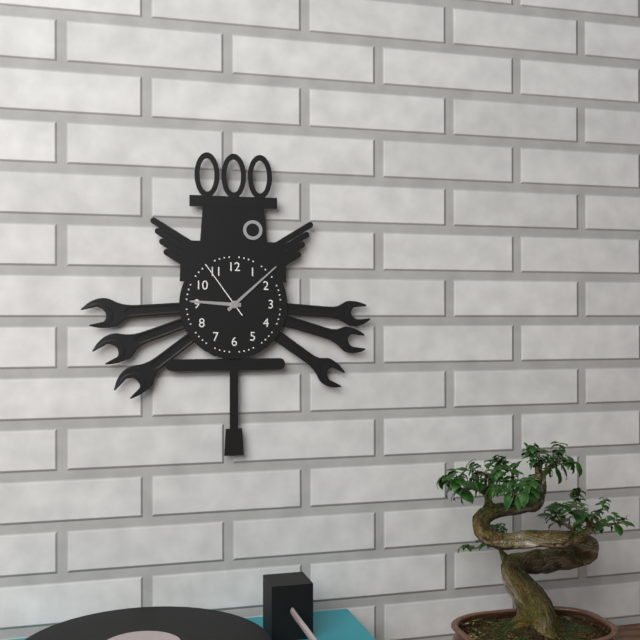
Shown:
9.08.54
